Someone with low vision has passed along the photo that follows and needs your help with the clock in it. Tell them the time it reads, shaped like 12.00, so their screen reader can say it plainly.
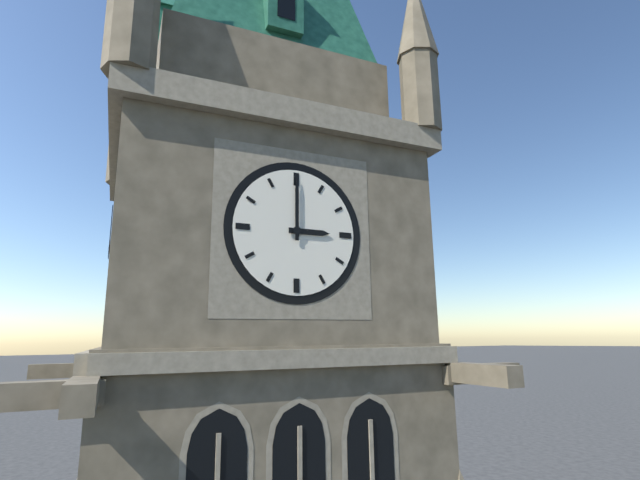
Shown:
3.00
